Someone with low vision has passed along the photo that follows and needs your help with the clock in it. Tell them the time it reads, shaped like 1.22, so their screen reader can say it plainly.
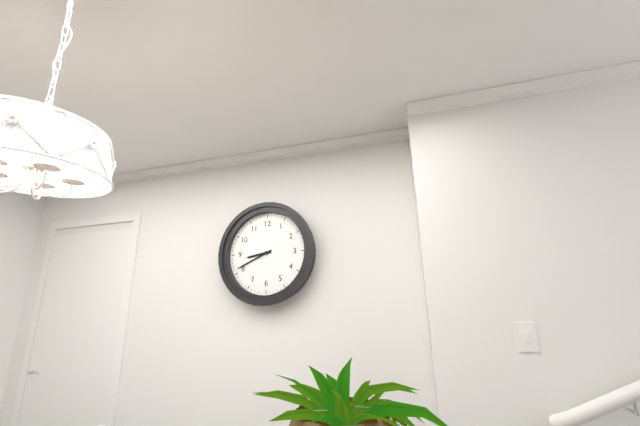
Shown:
8.41
